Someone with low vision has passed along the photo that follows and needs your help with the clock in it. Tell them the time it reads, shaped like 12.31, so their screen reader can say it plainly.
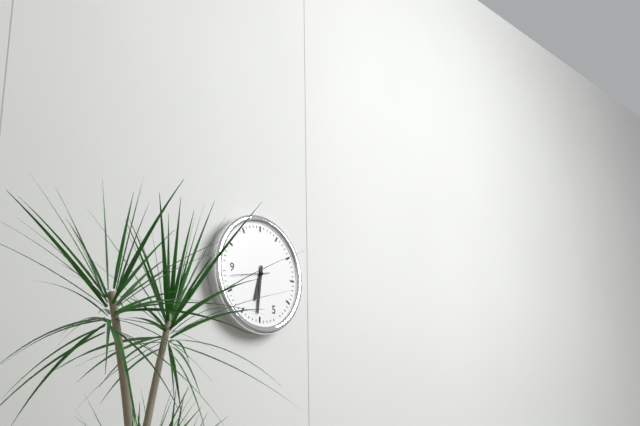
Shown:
6.31
